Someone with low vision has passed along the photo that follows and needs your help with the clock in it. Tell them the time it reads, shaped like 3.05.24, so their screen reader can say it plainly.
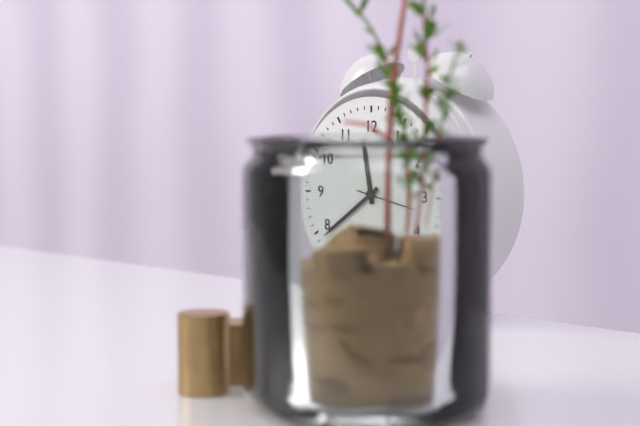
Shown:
11.39.17
